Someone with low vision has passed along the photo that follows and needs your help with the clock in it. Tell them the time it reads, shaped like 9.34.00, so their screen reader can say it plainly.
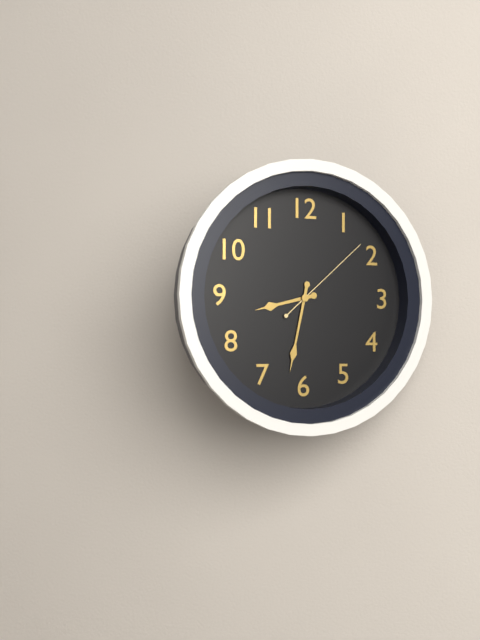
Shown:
8.32.08
